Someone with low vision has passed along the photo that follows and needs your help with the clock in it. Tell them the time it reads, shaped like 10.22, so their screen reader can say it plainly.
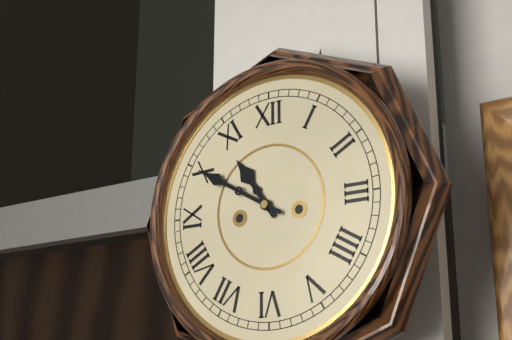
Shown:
10.50
